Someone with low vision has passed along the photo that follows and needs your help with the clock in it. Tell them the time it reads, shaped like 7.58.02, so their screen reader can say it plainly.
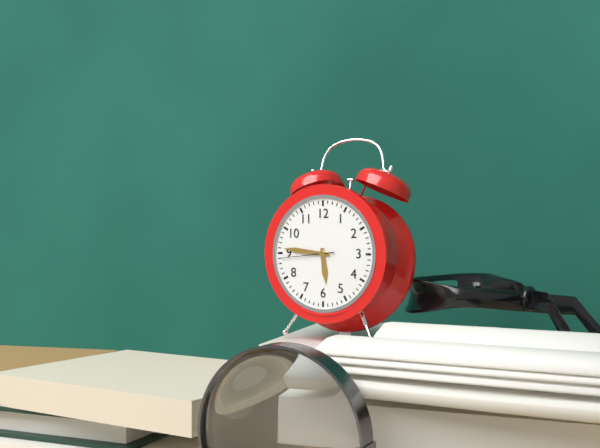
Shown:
5.46.44
